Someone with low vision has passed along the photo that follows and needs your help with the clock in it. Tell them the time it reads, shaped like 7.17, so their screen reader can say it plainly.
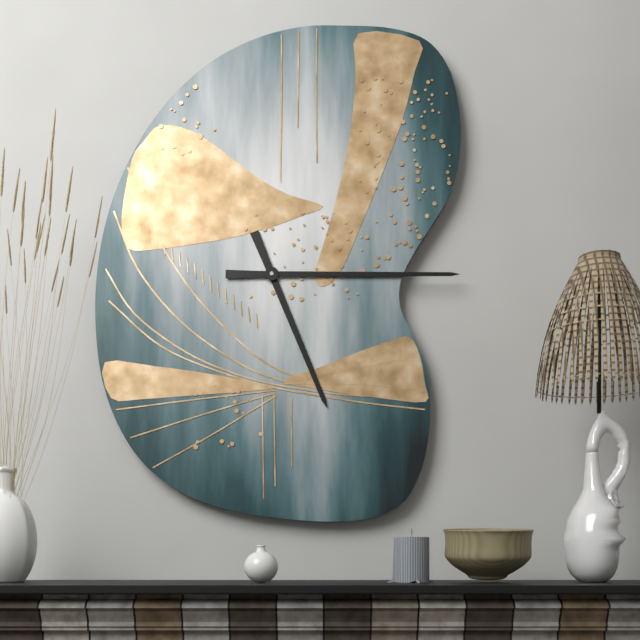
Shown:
5.15
